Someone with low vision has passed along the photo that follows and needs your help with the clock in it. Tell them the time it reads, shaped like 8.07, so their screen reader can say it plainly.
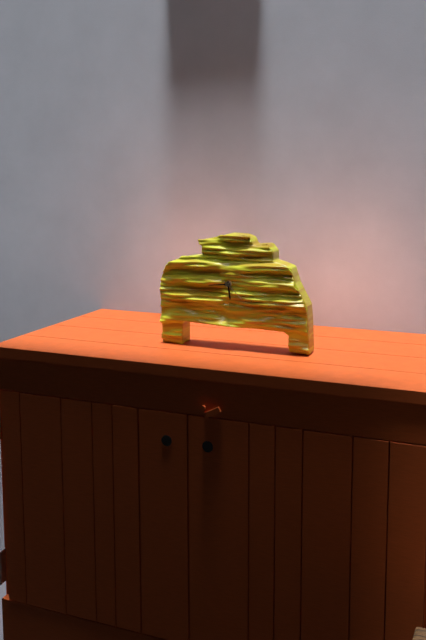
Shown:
5.44
